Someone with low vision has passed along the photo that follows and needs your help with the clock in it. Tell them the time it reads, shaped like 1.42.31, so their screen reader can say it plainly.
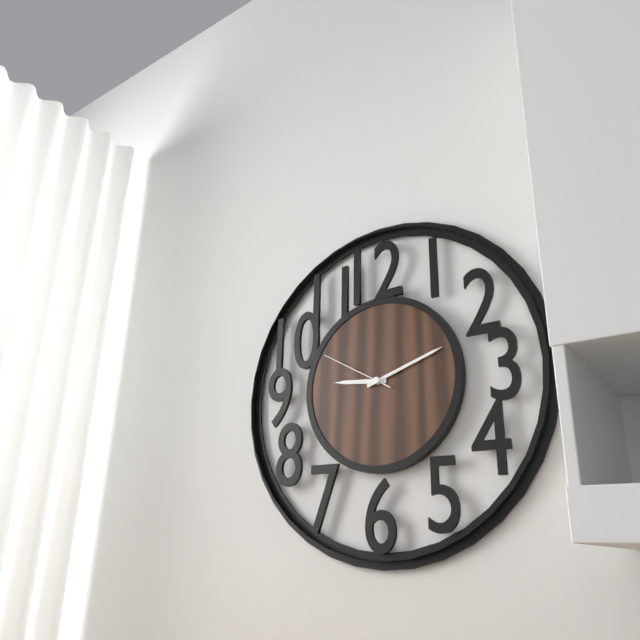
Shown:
9.12.50
